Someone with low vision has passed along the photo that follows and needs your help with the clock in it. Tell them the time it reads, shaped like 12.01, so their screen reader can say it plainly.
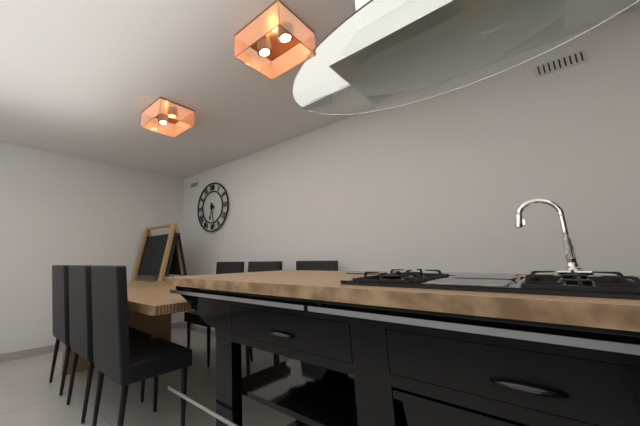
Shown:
6.28
